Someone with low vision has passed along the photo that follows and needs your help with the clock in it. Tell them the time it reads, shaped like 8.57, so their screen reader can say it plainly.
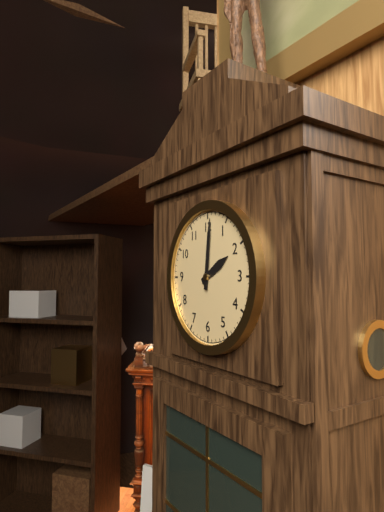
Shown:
2.01
